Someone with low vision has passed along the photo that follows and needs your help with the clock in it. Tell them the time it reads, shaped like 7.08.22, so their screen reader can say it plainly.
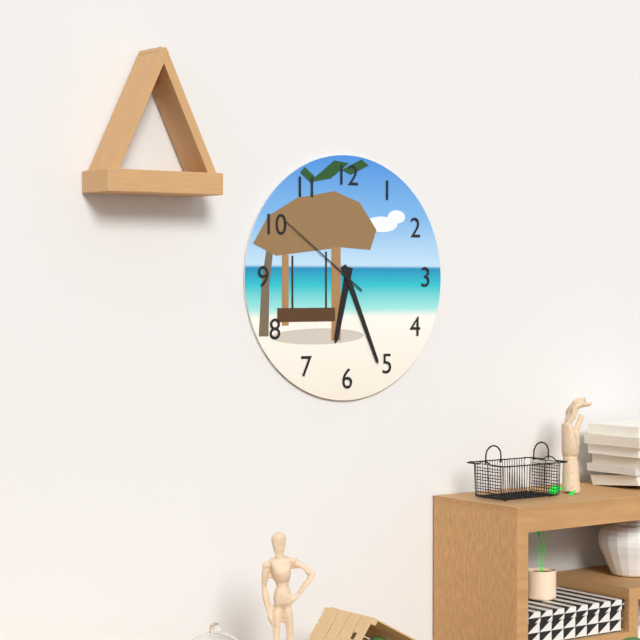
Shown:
6.26.51
